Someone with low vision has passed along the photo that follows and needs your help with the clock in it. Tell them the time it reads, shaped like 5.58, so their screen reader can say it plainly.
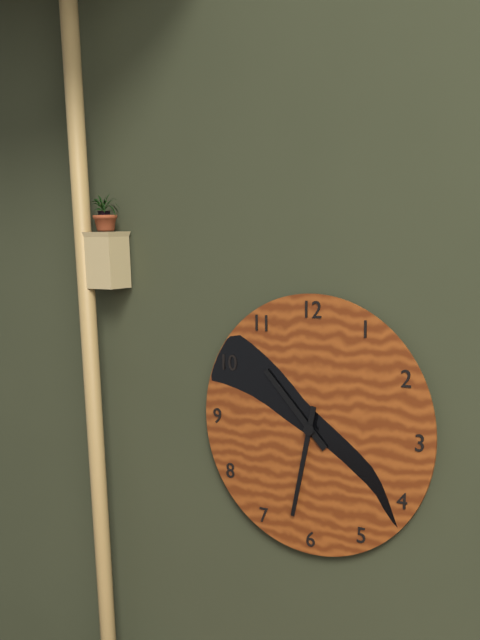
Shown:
10.32
